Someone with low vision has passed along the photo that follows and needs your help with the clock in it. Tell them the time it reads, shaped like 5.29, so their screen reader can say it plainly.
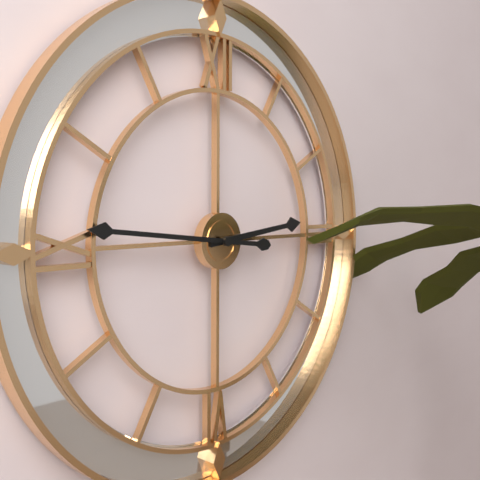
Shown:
2.46
